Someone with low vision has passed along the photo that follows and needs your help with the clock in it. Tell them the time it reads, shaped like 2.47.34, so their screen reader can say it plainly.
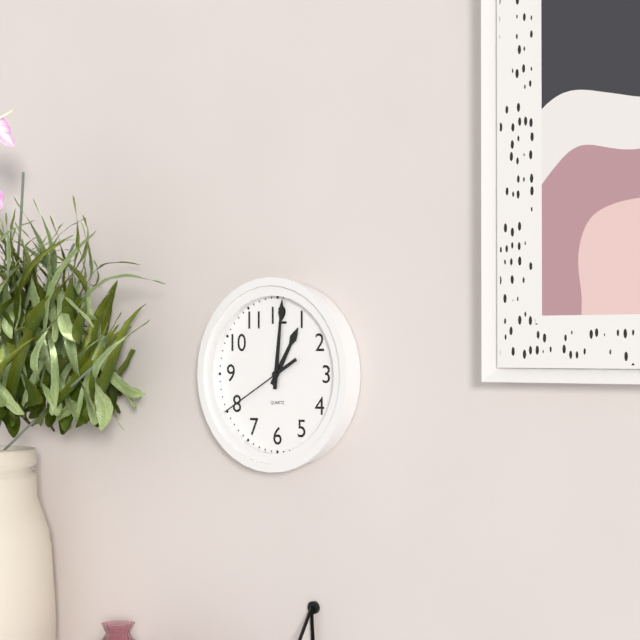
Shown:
1.01.40
